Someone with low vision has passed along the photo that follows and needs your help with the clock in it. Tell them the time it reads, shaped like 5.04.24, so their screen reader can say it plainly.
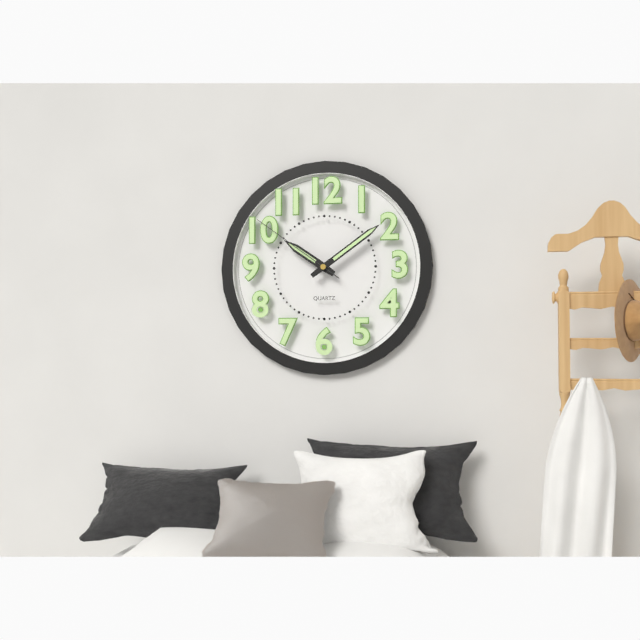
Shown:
10.09.51
